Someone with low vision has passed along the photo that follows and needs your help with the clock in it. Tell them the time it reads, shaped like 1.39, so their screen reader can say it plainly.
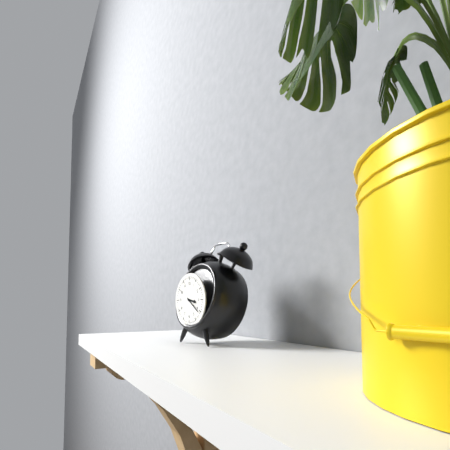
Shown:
3.21
